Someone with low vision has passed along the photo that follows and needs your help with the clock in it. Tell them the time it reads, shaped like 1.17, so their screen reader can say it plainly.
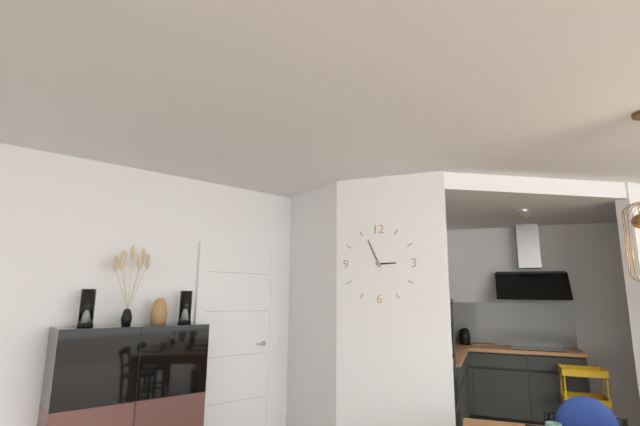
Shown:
2.56
